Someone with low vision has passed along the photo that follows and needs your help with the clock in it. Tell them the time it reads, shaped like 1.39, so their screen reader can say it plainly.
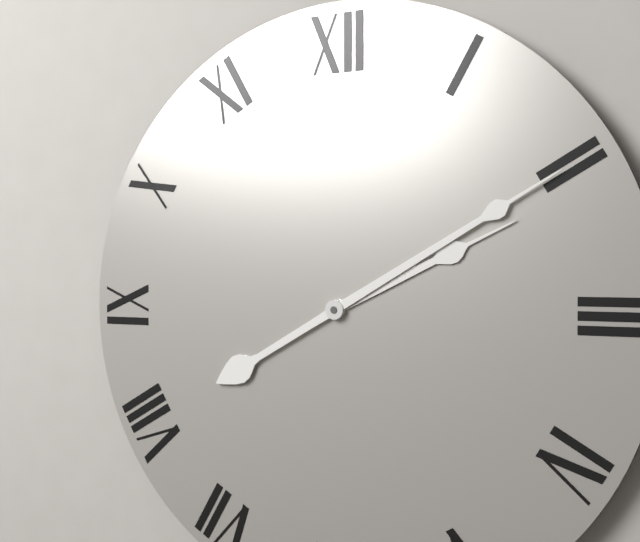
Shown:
2.10
